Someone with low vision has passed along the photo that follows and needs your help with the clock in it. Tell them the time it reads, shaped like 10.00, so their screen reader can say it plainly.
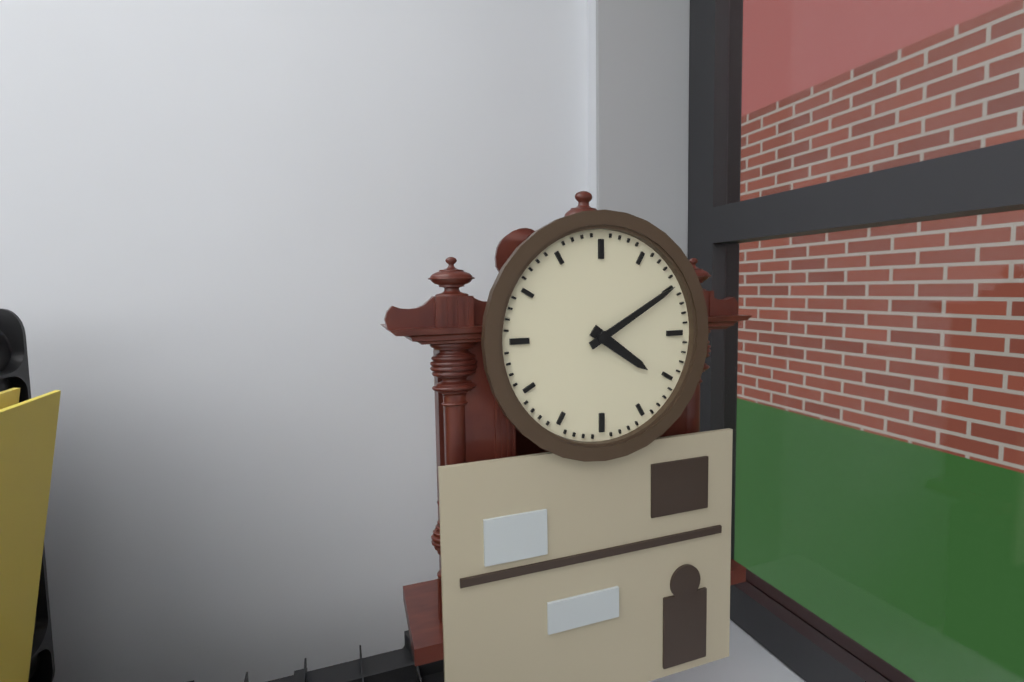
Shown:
4.10
